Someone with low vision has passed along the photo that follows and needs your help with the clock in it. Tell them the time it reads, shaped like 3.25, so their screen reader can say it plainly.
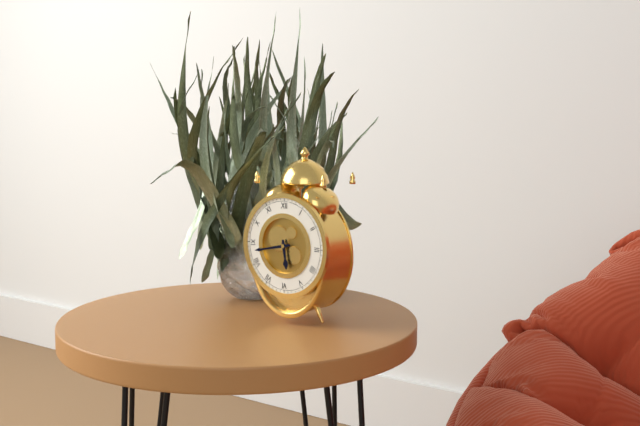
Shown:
5.43
